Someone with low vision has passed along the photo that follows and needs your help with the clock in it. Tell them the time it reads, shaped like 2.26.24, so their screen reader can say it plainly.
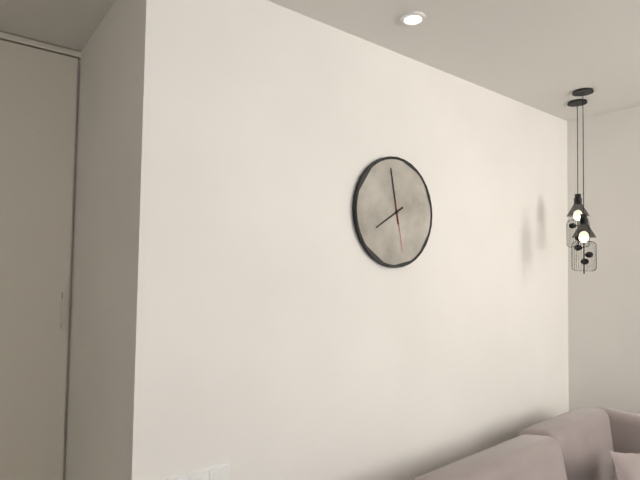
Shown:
7.58.28
